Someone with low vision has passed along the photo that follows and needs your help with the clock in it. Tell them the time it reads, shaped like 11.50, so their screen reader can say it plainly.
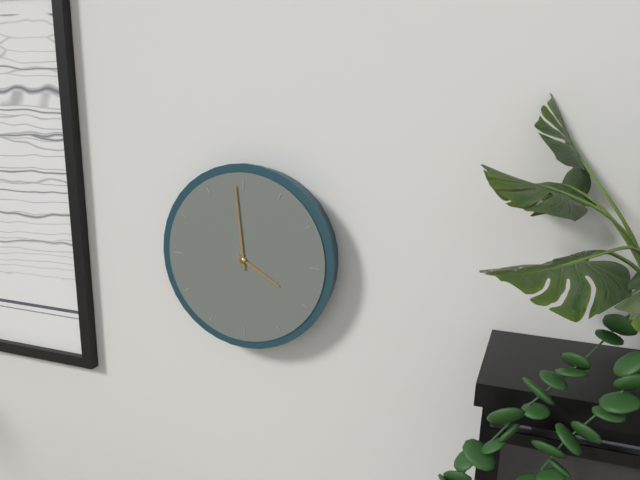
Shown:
3.59
